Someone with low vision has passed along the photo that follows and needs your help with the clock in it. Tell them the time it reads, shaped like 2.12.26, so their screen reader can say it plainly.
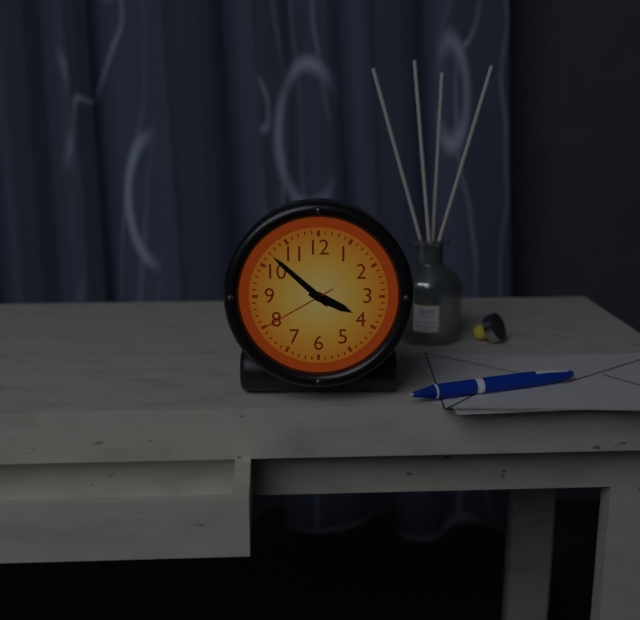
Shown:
3.52.40
